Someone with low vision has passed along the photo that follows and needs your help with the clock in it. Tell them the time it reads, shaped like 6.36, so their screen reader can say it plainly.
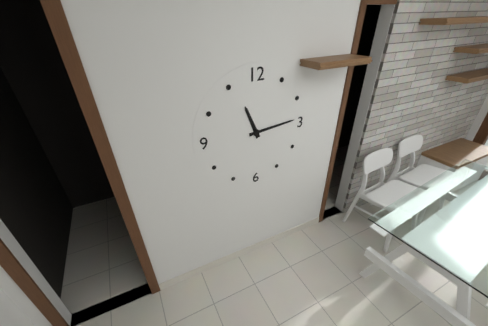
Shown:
11.14
